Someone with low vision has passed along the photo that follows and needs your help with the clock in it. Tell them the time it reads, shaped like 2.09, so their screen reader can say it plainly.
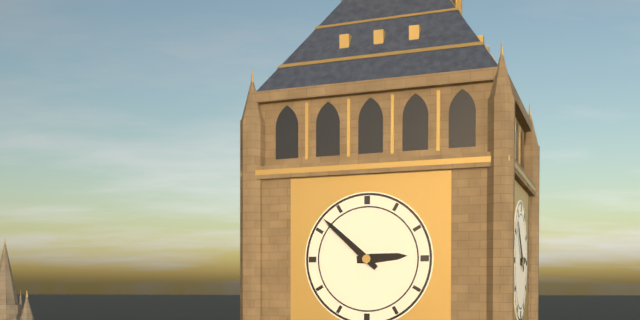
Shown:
2.52
